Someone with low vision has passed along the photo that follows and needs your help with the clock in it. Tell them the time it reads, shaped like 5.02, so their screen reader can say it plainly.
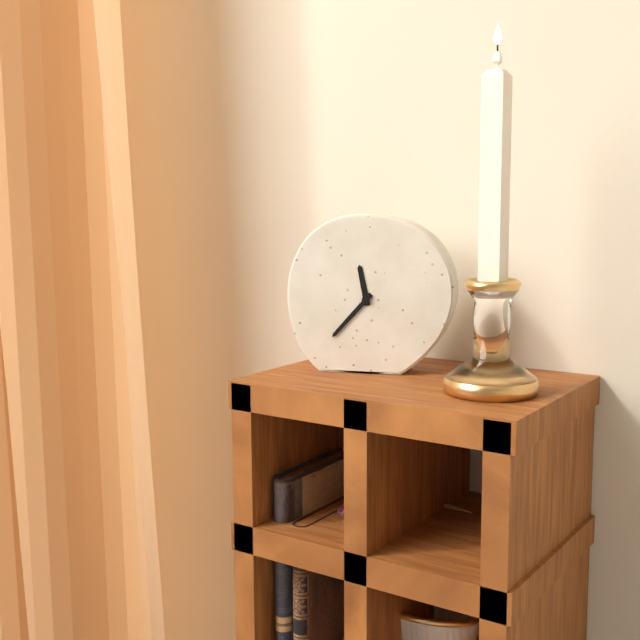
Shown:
11.37
